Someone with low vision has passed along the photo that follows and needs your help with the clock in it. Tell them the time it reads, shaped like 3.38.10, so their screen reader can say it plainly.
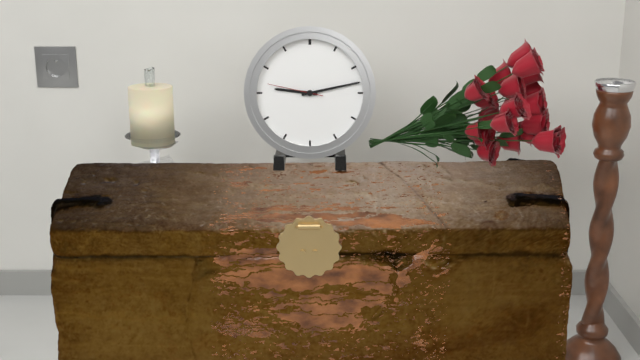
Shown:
9.13.47
